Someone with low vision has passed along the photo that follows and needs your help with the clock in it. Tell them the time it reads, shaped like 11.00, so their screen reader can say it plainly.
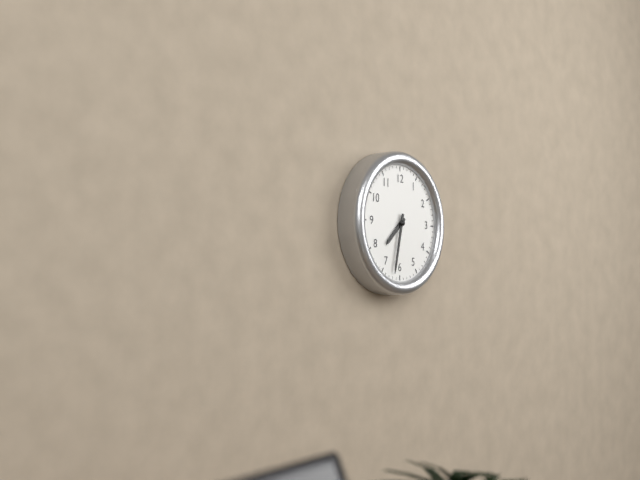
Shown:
7.32
